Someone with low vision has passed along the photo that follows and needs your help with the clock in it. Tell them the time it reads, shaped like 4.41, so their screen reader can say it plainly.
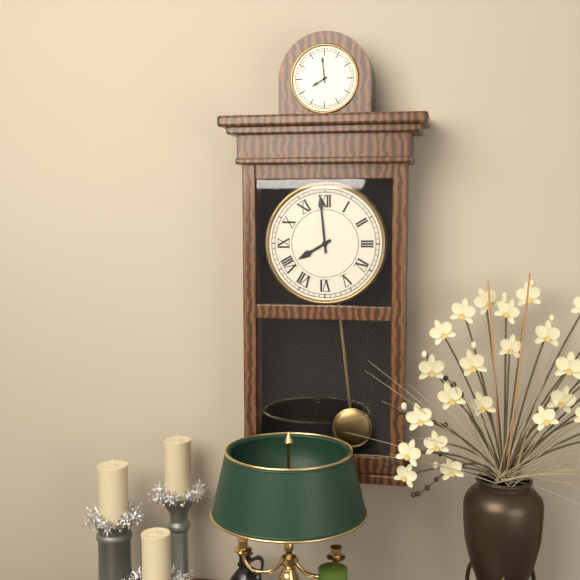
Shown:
7.59
